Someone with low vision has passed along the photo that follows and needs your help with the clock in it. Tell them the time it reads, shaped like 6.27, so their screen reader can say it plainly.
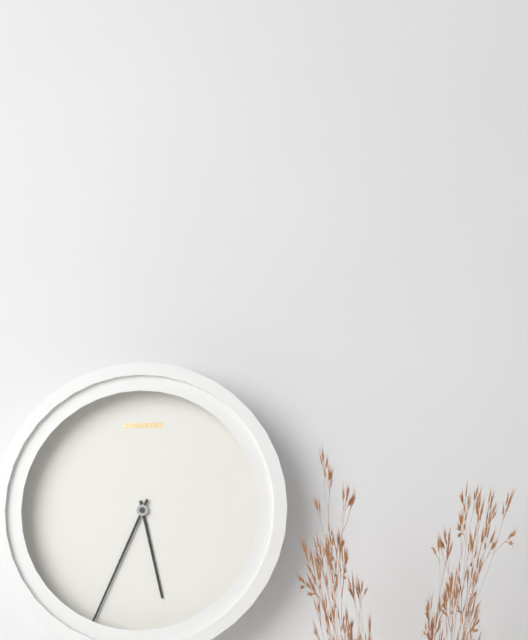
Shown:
5.34
